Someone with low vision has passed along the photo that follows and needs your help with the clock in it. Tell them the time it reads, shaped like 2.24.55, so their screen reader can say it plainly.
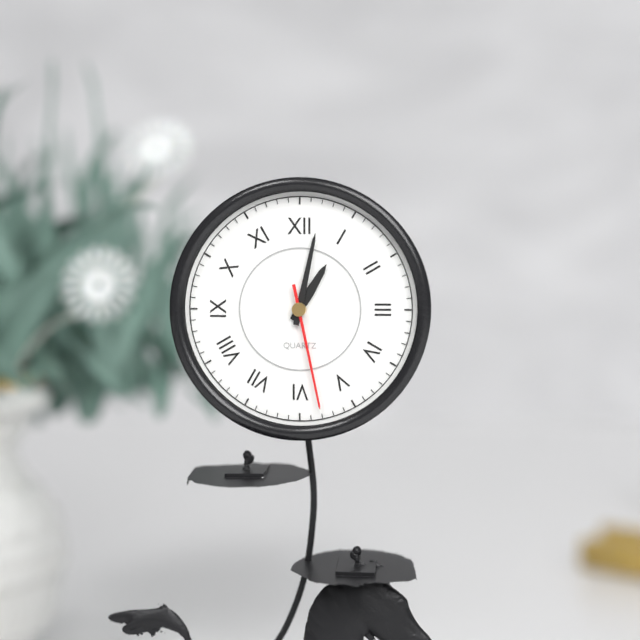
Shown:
1.02.28
